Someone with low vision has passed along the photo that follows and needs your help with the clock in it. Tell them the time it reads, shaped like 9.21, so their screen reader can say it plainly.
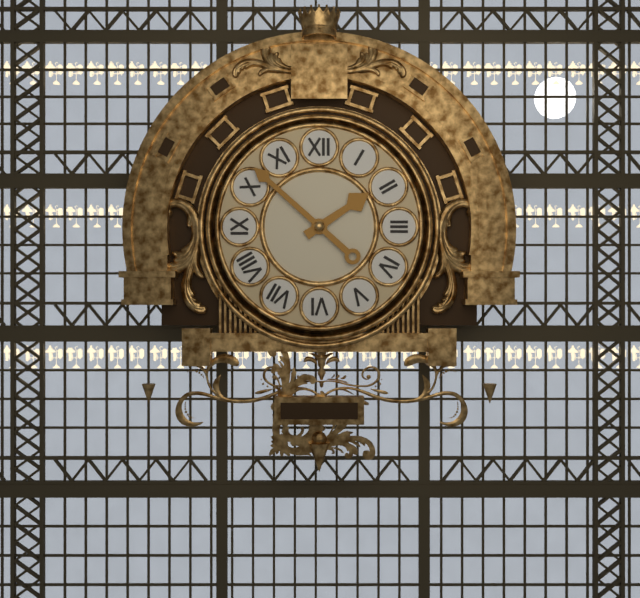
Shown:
1.52
